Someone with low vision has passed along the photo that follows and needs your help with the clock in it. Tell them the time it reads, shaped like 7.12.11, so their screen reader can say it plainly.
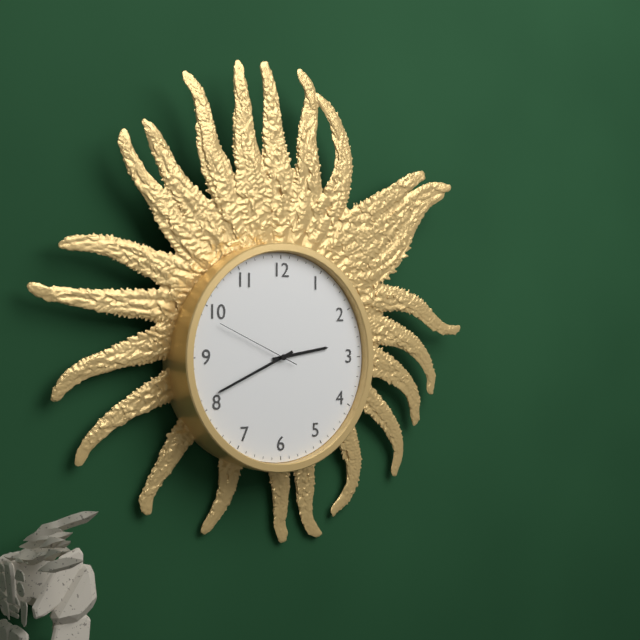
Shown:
2.41.49
